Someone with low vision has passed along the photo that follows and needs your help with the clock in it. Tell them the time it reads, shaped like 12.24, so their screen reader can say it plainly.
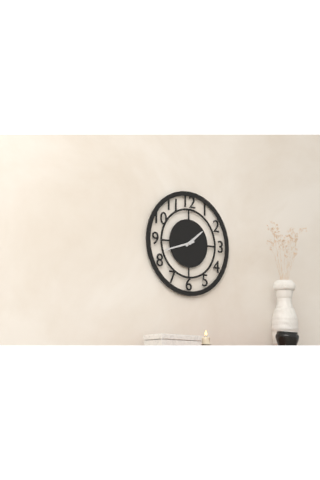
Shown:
1.42
